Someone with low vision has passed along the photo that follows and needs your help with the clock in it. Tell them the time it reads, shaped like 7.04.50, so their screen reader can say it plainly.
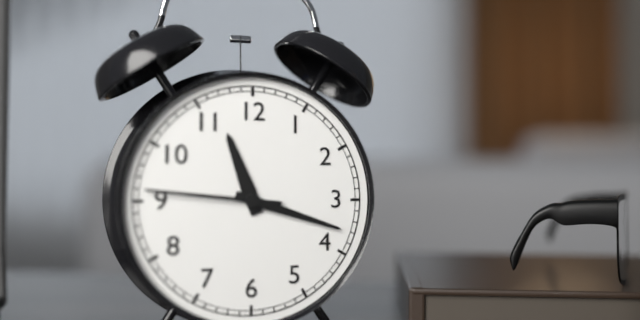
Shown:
11.18.46
